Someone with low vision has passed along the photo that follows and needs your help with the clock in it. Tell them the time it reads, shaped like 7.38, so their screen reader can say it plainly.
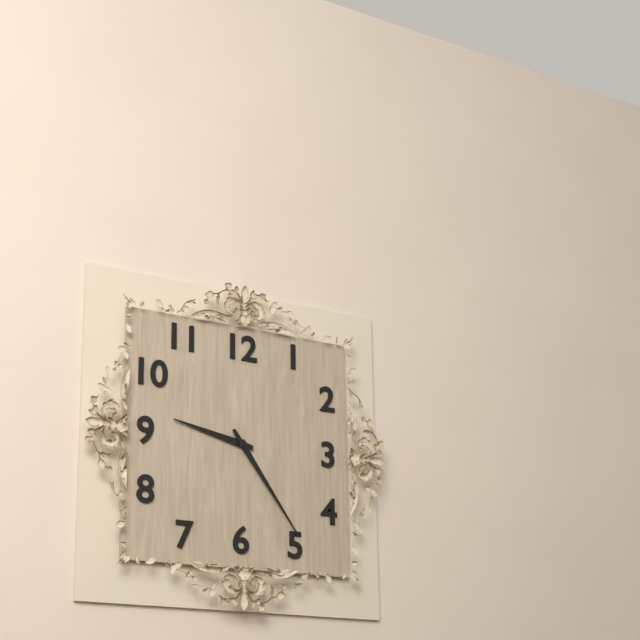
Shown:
9.24
